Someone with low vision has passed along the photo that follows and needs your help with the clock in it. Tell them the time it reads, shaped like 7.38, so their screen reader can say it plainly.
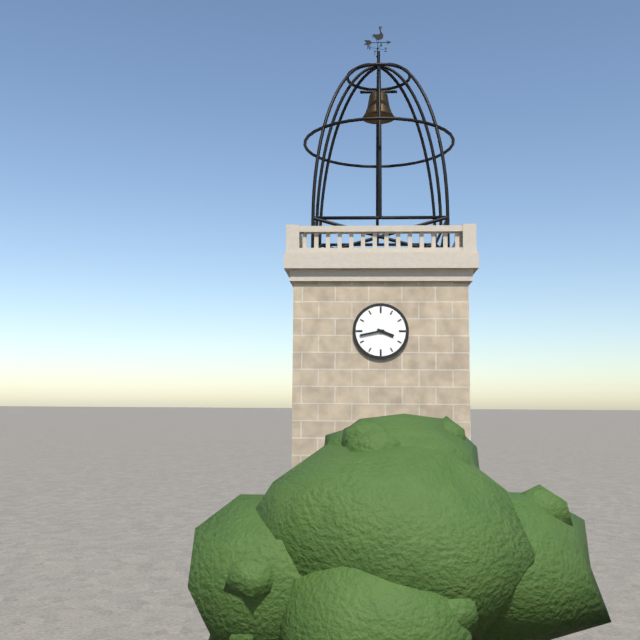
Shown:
3.43
